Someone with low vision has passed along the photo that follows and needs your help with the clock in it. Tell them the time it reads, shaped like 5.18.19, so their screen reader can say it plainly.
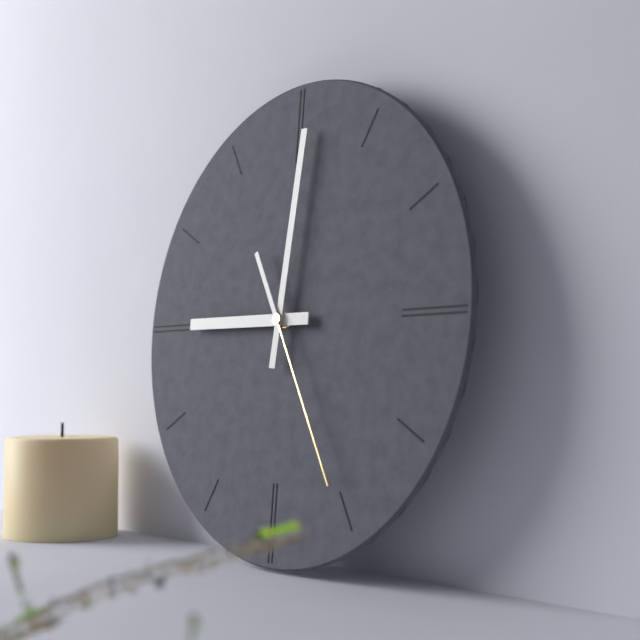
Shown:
9.01.25
